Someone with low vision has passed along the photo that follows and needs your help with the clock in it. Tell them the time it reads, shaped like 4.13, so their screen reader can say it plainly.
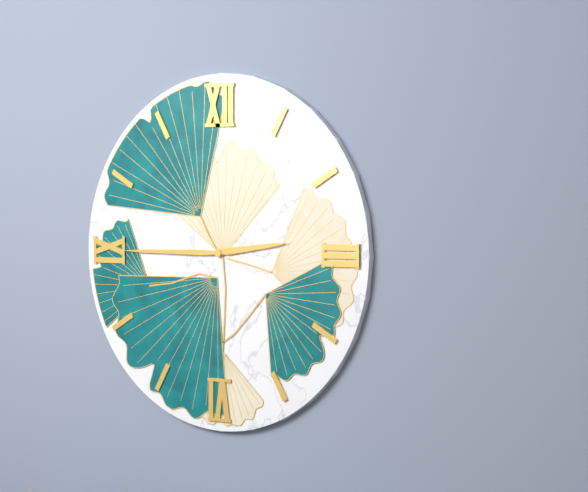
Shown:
2.45
